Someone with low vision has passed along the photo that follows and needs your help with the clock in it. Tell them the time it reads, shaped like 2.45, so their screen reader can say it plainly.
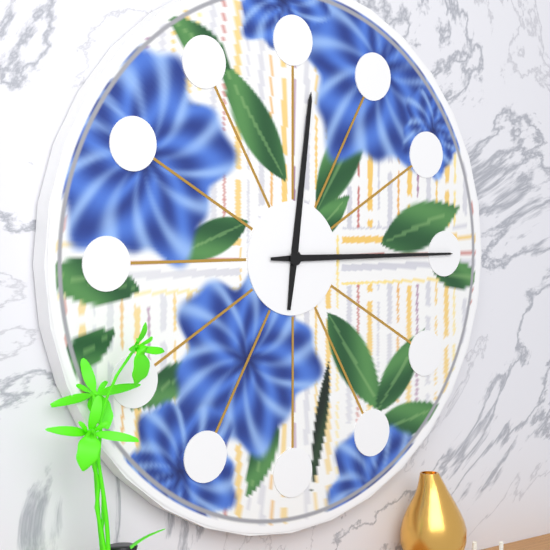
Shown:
12.15
